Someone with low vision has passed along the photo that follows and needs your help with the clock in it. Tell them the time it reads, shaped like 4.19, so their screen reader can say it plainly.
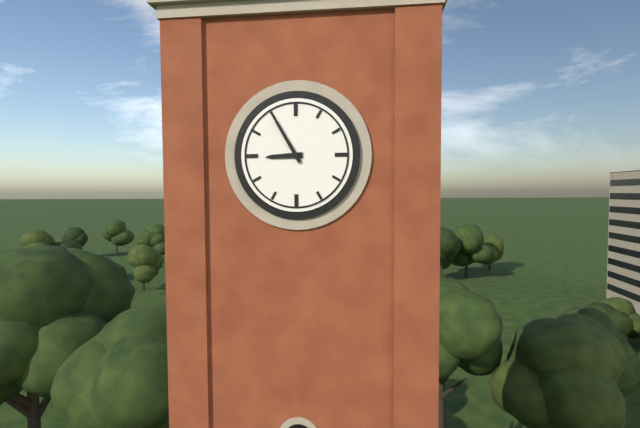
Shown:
8.55
